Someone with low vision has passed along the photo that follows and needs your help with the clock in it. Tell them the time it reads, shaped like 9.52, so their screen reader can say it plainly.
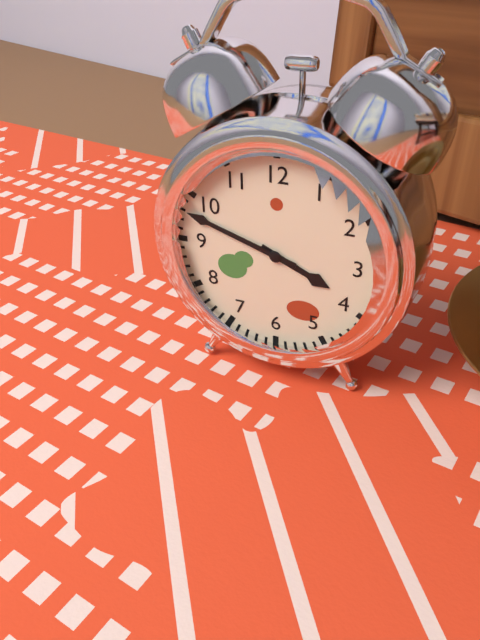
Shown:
3.48
